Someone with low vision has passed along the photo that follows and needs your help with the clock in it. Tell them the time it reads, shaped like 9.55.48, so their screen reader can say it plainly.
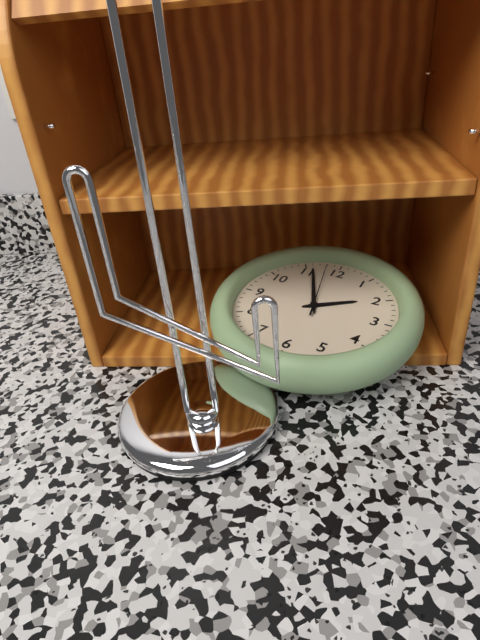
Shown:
1.56.58
